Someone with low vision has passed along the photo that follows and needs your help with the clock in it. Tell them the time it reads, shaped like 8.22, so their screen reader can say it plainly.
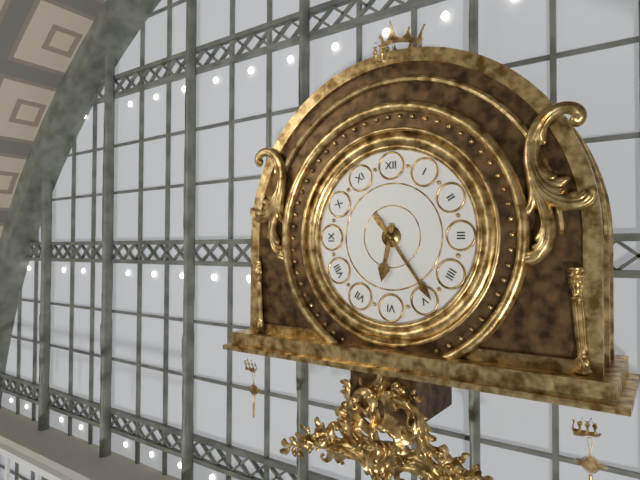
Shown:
6.24
